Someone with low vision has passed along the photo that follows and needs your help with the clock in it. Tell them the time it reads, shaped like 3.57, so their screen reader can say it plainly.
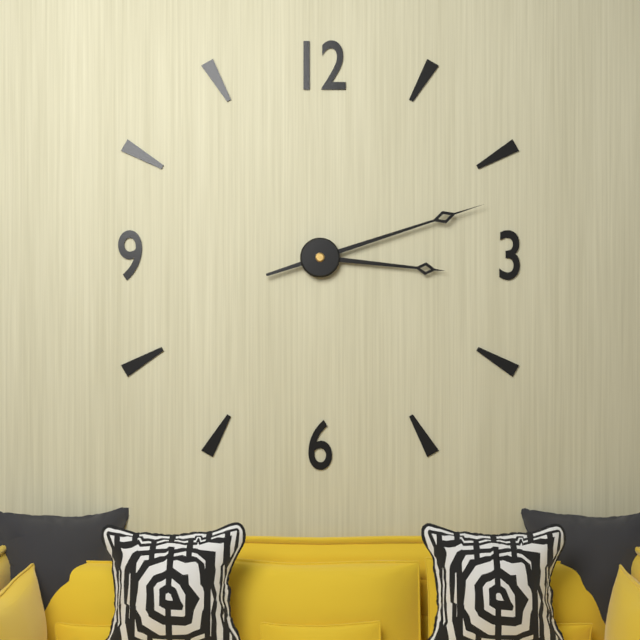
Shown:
3.12
